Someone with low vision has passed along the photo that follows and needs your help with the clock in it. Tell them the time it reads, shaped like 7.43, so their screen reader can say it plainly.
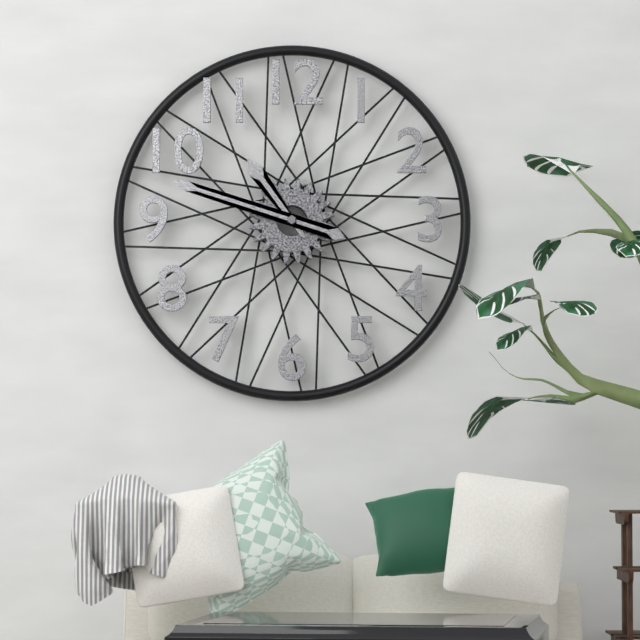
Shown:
10.48
